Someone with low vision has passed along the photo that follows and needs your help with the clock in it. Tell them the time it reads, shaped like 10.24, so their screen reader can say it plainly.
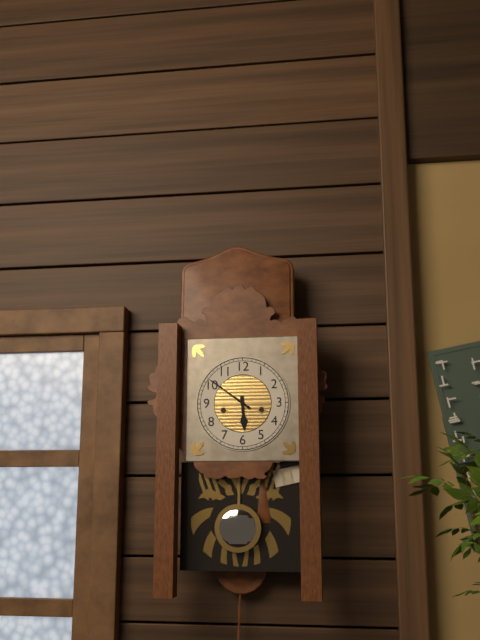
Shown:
5.51
